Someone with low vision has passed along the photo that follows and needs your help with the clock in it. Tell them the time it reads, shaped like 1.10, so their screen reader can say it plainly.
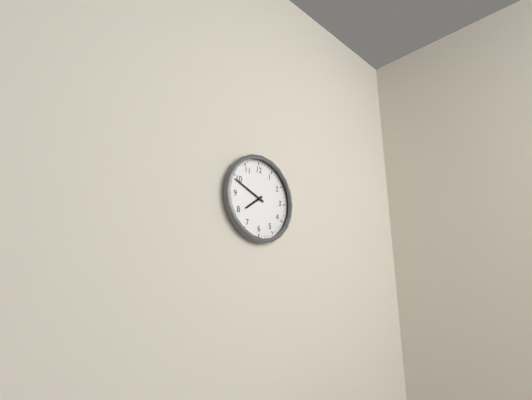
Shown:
7.49
